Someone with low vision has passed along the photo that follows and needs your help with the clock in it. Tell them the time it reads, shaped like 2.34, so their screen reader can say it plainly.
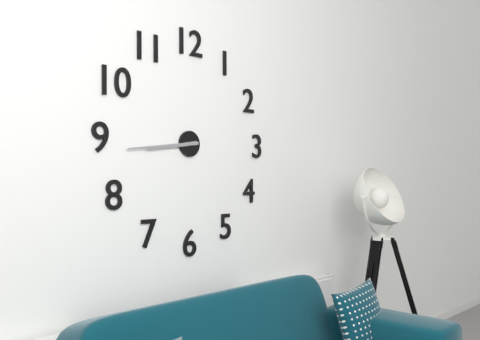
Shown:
8.44
